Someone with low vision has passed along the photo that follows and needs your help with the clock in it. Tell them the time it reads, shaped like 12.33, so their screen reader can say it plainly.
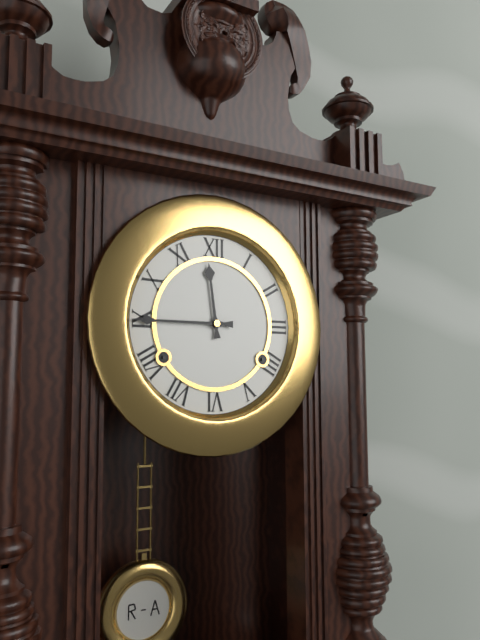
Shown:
11.45
